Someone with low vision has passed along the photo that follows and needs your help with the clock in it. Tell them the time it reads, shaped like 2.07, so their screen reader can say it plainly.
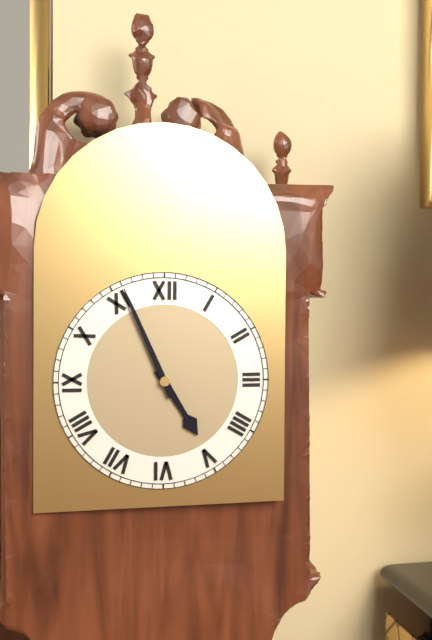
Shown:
4.56
